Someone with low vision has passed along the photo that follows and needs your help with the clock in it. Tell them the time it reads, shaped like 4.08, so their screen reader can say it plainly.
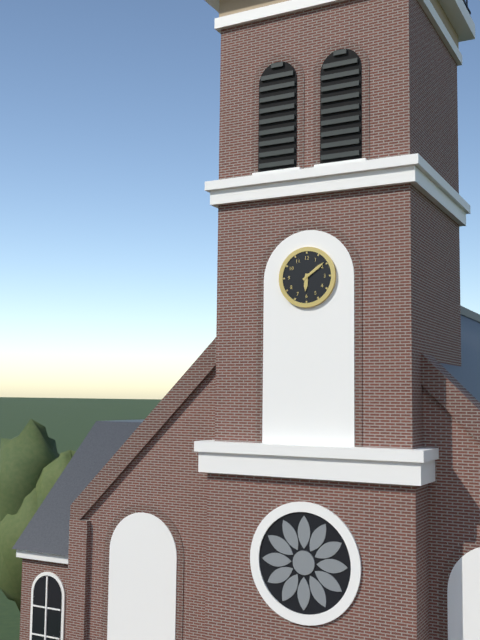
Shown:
6.09
